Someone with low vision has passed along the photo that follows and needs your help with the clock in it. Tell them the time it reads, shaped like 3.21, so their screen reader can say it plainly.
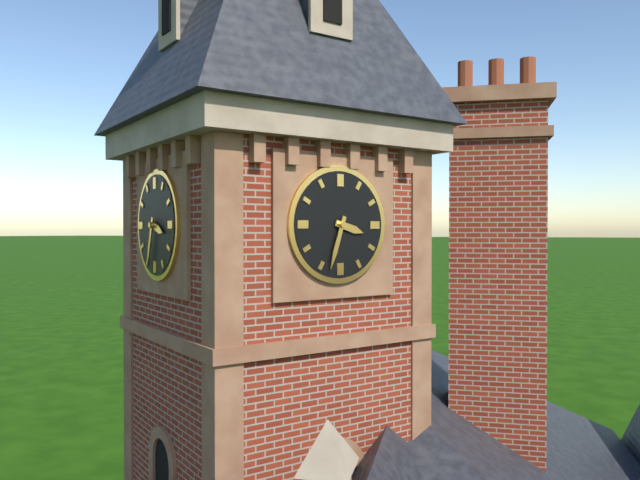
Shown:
3.33
